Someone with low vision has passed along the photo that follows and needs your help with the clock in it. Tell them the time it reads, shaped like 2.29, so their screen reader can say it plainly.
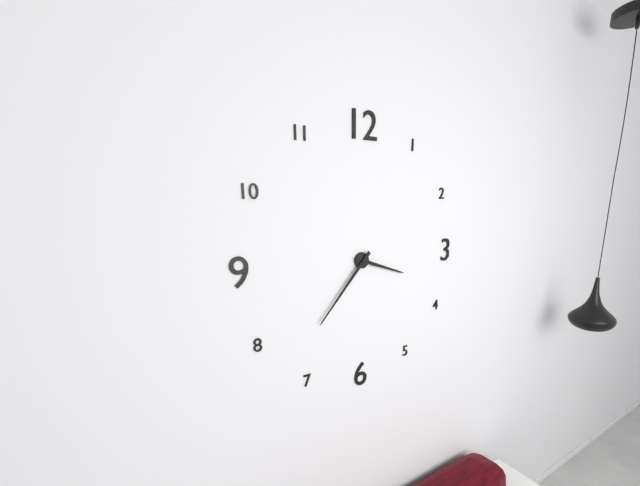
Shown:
3.37
